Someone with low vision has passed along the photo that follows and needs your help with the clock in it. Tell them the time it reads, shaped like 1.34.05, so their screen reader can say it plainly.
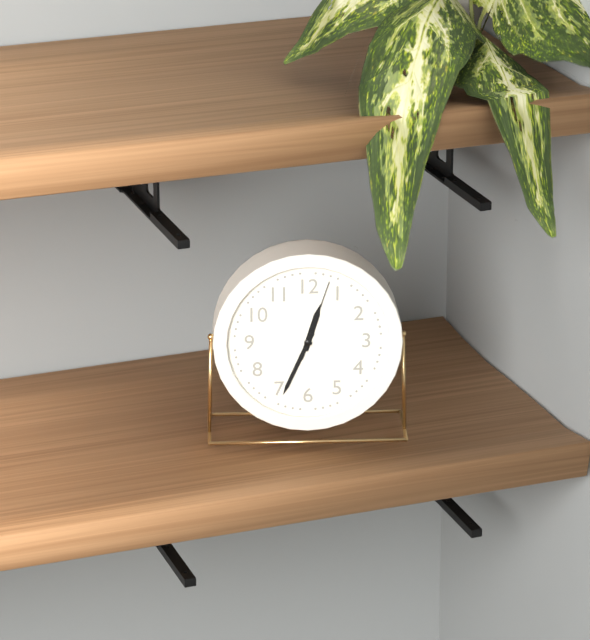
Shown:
12.34.03
